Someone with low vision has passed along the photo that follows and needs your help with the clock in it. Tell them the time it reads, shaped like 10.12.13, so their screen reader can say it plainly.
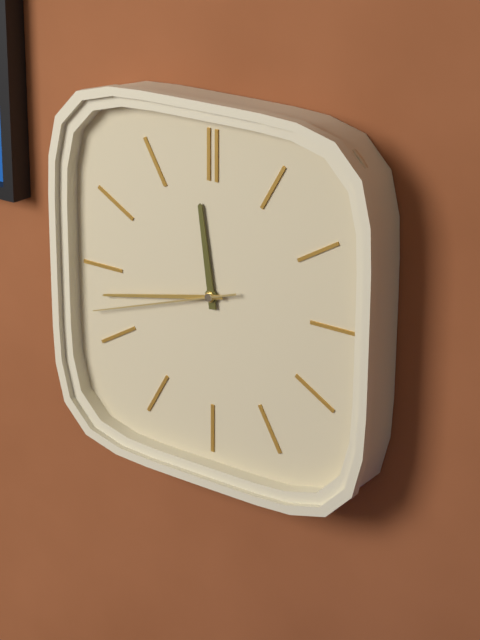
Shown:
11.43.42
